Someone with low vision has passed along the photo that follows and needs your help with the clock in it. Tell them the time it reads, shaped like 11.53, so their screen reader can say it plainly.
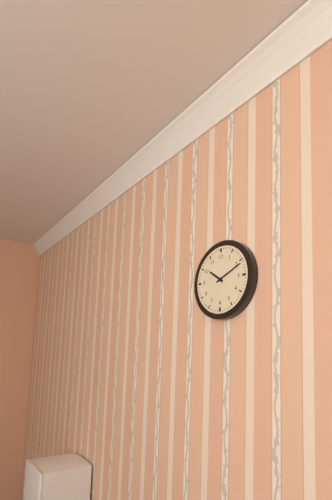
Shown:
10.11
